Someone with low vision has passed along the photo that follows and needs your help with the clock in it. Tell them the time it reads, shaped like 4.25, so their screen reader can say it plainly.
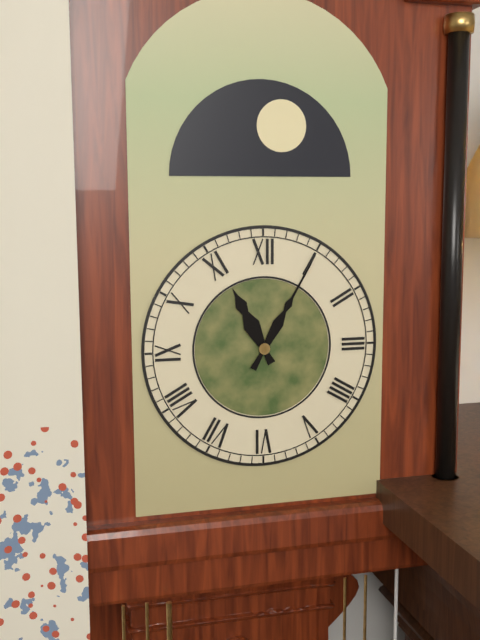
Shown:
11.05
